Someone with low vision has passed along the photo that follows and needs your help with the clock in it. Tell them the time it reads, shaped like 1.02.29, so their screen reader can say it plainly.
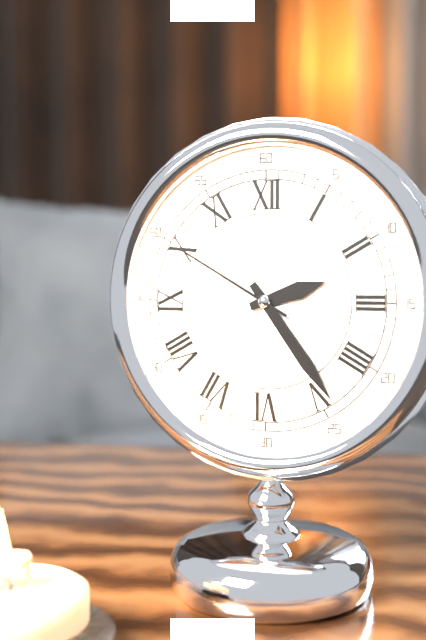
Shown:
2.24.50
